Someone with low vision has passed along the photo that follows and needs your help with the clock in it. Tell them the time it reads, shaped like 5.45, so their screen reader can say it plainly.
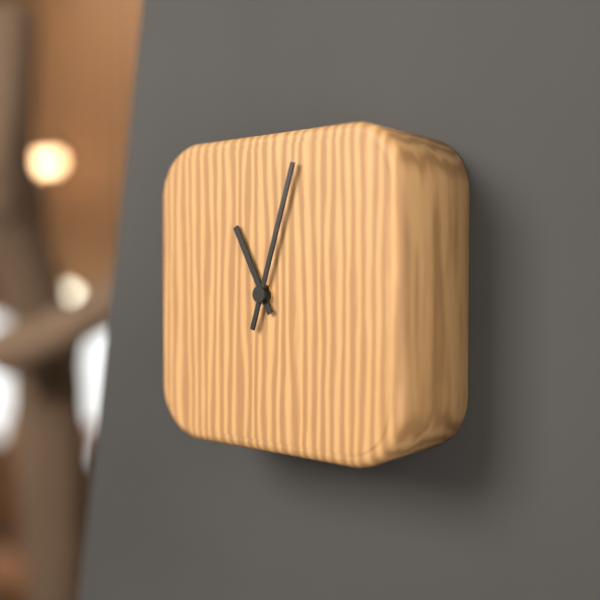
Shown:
11.03
